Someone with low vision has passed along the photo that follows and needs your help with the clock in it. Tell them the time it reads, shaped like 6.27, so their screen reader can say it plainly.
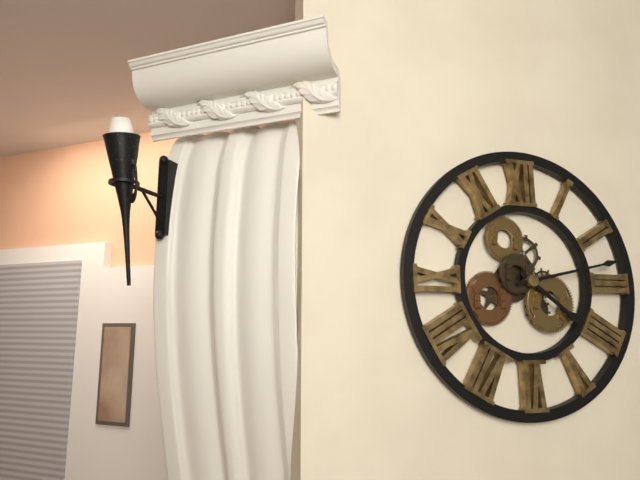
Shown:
4.13
